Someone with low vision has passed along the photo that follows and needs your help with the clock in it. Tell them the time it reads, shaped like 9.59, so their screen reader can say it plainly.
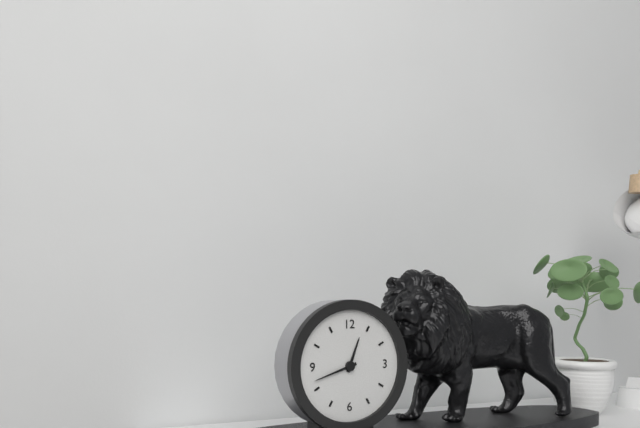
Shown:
12.42
